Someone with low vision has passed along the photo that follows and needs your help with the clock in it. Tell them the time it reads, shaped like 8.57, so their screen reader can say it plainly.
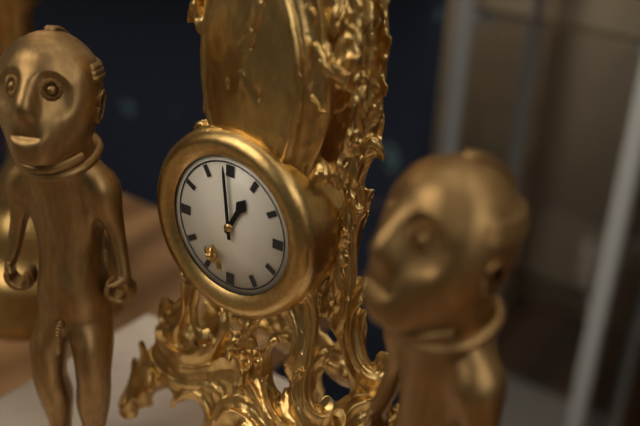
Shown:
12.59
